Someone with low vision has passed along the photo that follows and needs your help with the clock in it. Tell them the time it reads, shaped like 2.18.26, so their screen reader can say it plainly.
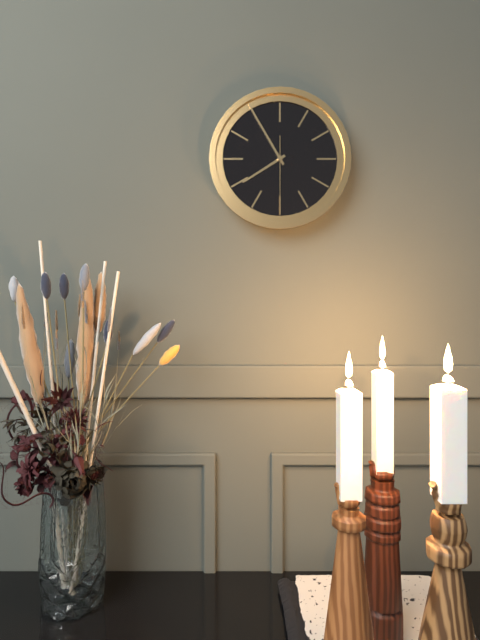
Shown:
7.55.30
